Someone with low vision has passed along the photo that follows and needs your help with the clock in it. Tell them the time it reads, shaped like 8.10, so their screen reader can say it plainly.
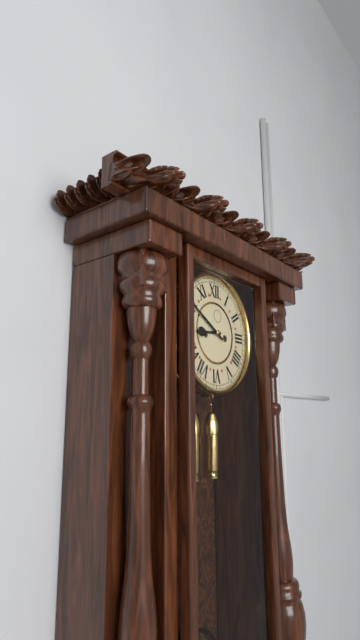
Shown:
8.50
